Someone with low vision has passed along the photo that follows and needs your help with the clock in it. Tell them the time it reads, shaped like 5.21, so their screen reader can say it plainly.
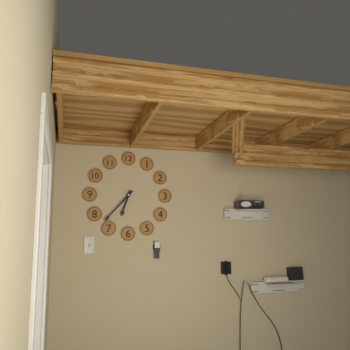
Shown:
6.37
